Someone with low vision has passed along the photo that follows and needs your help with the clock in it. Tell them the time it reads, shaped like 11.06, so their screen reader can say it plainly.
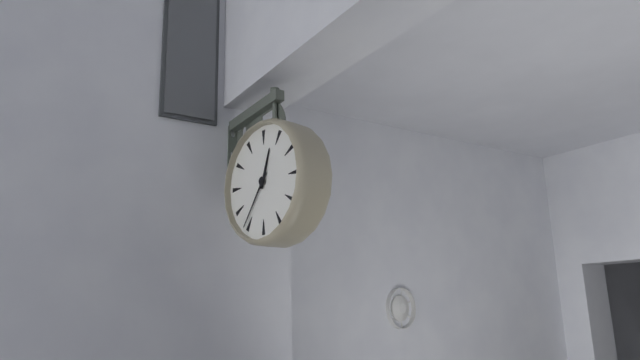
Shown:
12.36
